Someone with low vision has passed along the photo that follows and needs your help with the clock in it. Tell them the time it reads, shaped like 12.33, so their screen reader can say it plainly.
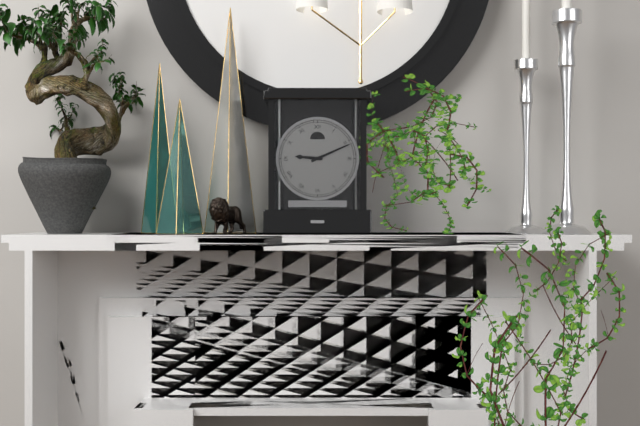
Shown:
9.11
